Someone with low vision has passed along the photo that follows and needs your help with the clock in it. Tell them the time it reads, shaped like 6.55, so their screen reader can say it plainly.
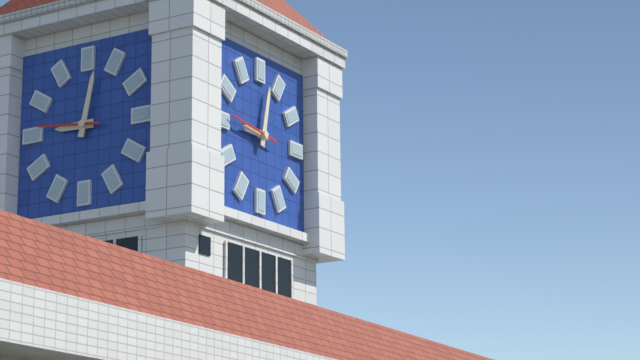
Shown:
9.02
